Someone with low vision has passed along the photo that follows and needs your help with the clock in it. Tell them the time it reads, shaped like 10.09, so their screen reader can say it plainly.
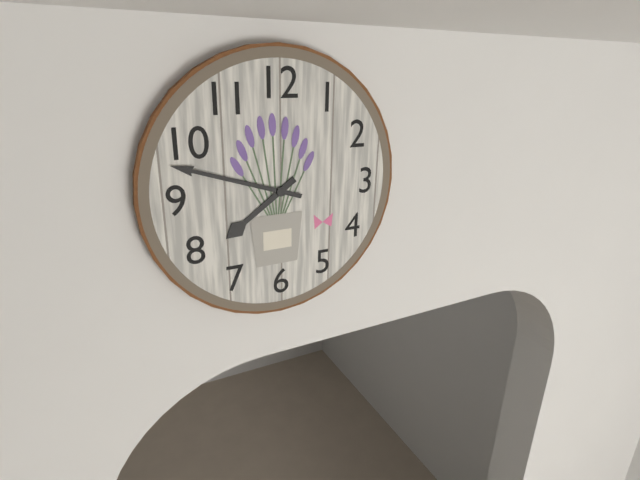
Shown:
7.48
